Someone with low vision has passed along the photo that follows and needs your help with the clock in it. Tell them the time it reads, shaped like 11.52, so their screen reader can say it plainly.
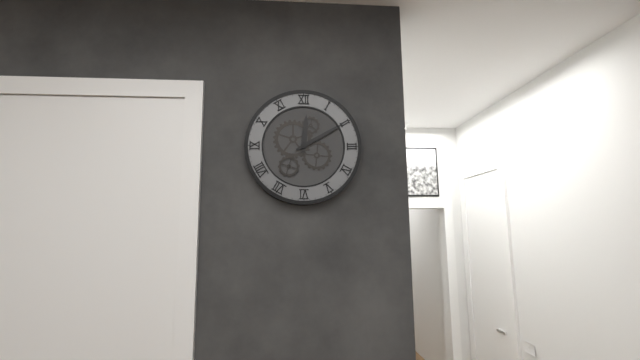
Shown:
12.10
